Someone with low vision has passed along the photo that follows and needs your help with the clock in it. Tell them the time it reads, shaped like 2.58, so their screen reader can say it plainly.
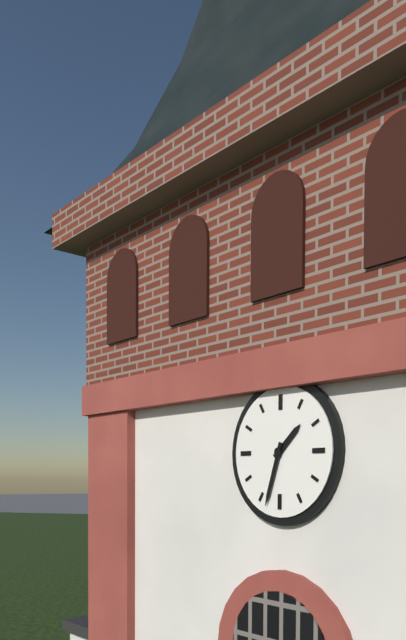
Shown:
1.33
